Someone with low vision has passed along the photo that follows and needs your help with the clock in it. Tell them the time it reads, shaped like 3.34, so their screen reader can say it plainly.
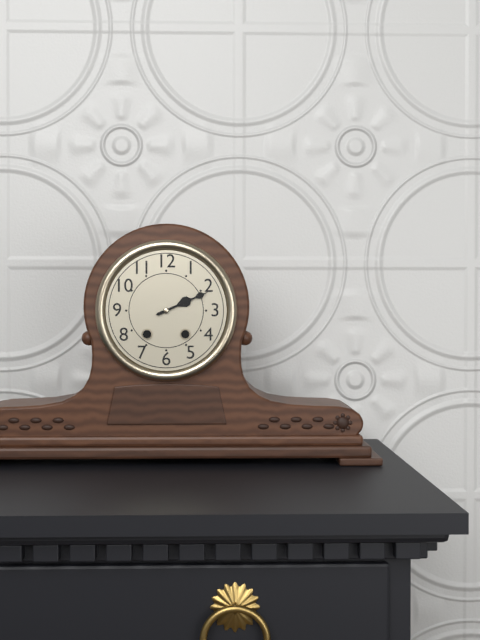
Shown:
2.11
